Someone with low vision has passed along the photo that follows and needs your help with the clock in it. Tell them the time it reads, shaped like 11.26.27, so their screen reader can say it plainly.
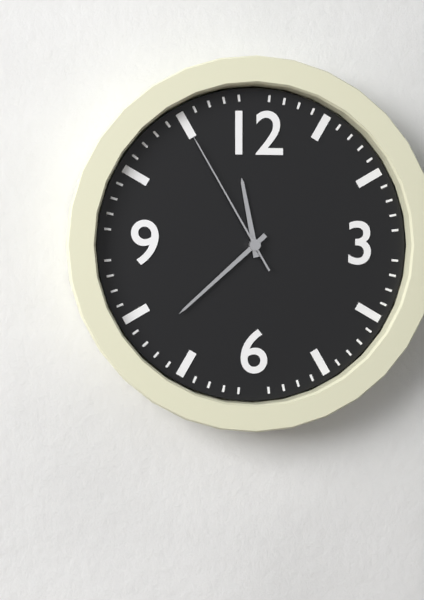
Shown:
11.38.55
